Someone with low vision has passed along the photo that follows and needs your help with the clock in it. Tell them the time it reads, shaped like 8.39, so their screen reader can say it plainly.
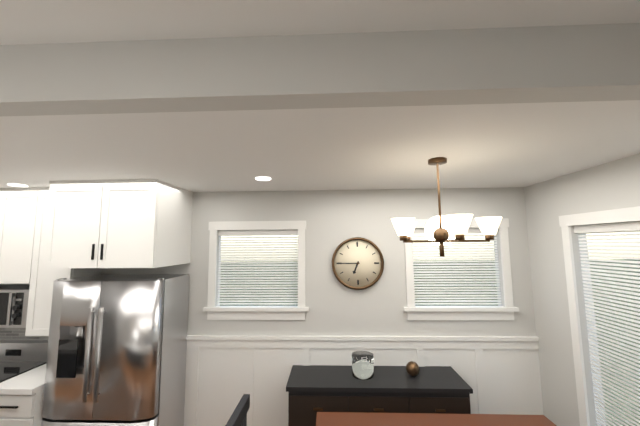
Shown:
6.45
